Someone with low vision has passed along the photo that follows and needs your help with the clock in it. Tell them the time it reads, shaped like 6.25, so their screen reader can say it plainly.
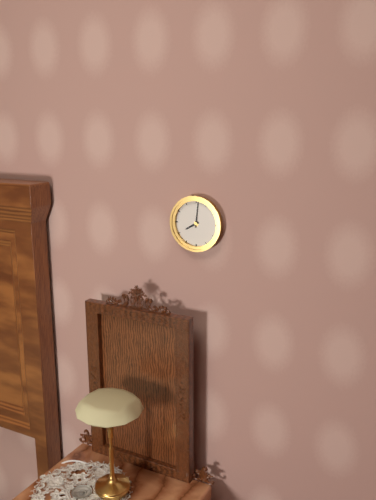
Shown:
8.01
